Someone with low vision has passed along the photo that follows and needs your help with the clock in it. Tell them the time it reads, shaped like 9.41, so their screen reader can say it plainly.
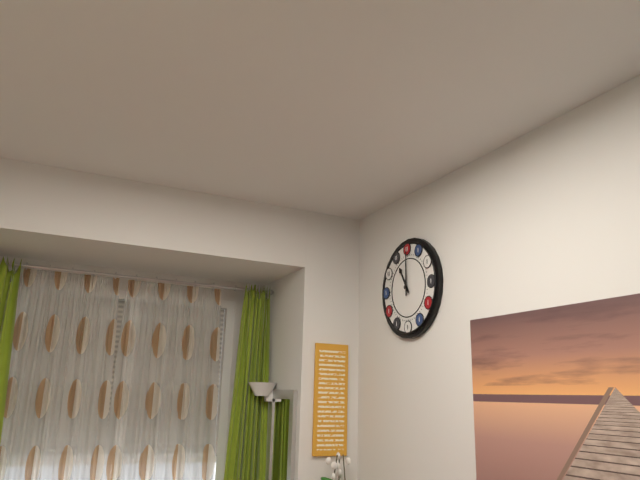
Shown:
11.00
